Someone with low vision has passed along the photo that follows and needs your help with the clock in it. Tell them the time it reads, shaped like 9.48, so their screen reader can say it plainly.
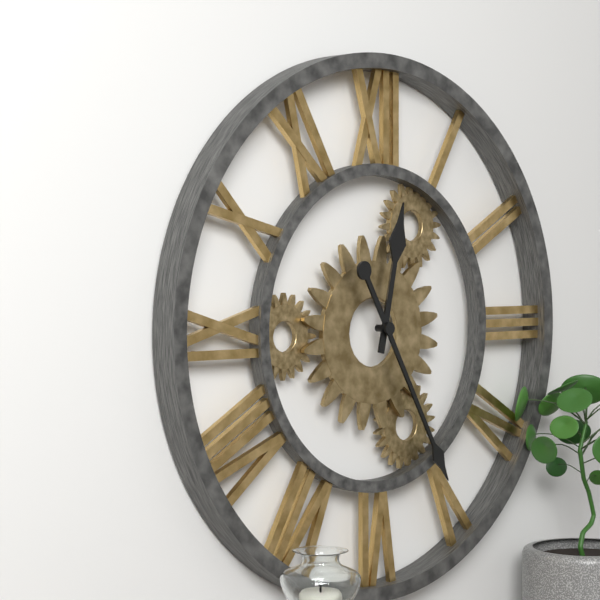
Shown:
12.25
